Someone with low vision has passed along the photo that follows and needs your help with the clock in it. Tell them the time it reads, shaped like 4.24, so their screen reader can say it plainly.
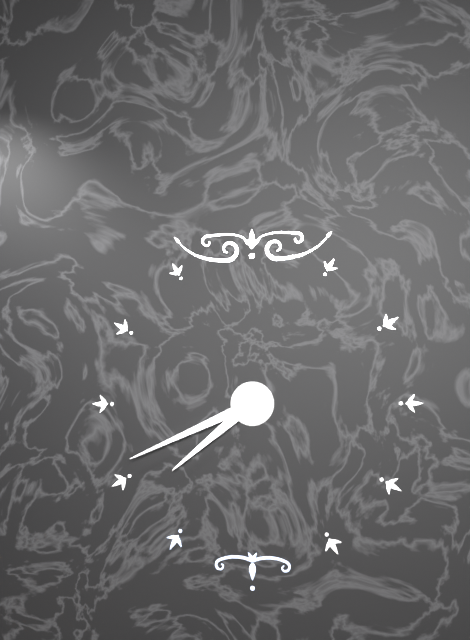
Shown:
7.41
